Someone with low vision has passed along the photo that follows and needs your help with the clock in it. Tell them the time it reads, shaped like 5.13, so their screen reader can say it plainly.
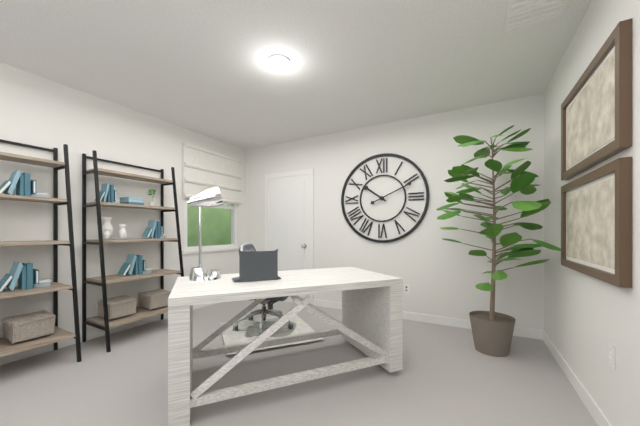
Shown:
10.11
